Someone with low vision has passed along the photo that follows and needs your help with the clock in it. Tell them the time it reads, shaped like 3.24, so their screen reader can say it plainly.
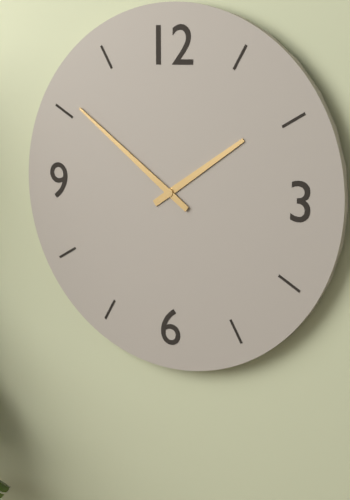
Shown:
1.51
